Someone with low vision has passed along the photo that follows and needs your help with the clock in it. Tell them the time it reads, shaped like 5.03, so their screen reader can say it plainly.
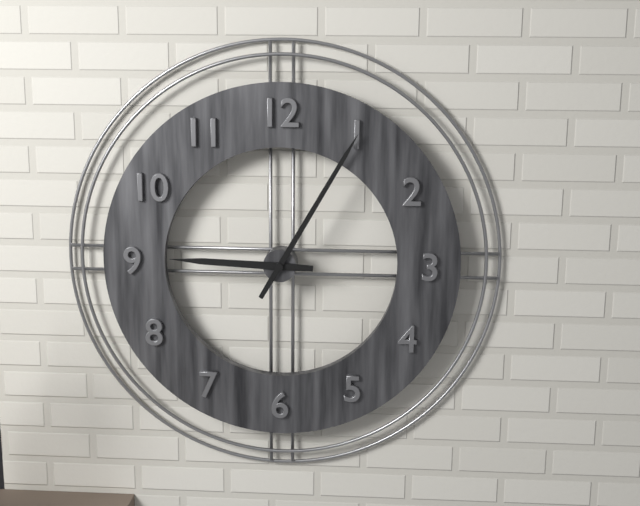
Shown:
9.05
